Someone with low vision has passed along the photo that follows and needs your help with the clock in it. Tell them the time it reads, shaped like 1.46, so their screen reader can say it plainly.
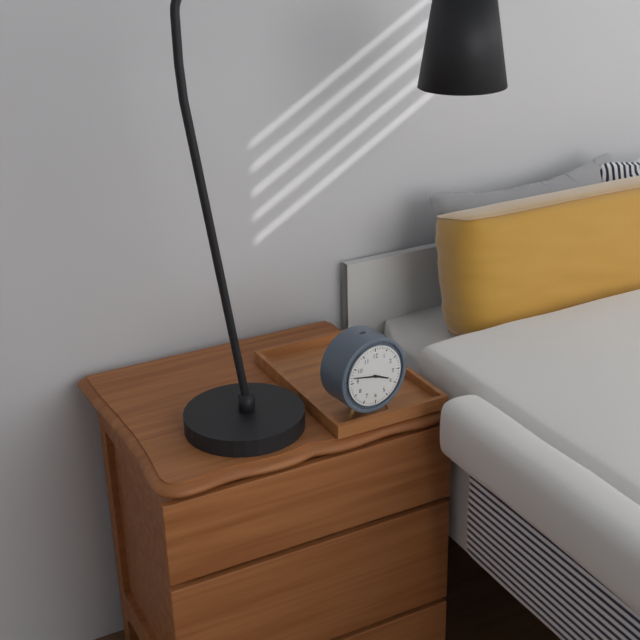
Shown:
3.47
